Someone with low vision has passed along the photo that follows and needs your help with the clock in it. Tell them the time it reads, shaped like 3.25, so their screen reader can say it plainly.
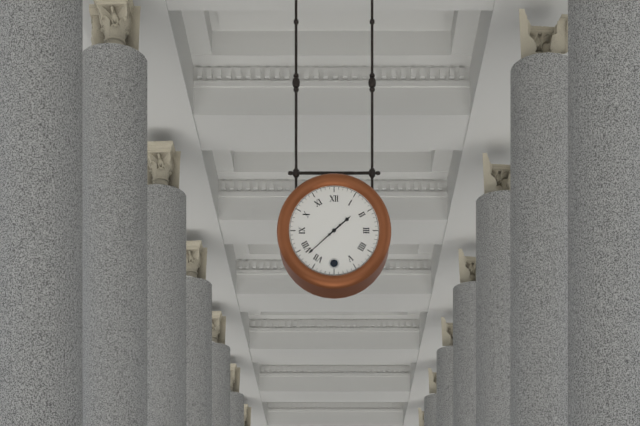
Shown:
1.38
